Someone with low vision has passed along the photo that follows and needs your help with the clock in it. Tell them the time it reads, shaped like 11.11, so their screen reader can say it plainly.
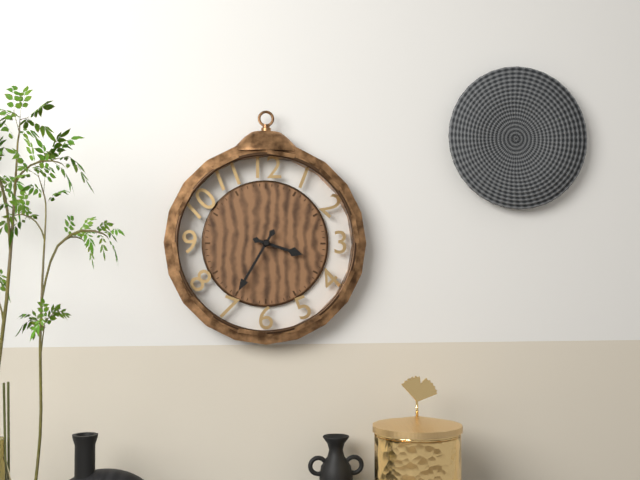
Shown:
3.35
